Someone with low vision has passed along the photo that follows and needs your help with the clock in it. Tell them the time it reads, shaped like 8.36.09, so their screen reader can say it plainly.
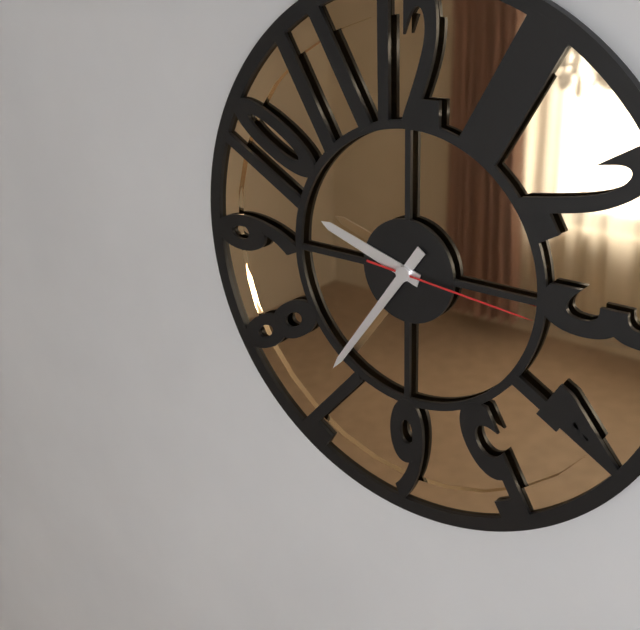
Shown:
9.36.16
